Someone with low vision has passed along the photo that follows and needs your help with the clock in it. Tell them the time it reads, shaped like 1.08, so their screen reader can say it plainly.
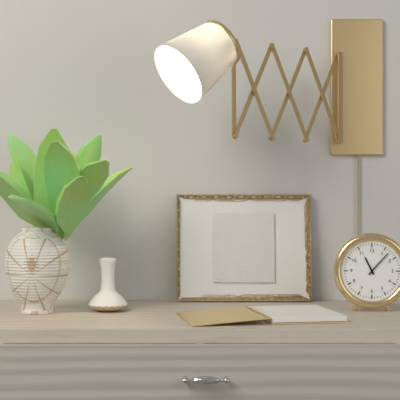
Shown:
11.07
